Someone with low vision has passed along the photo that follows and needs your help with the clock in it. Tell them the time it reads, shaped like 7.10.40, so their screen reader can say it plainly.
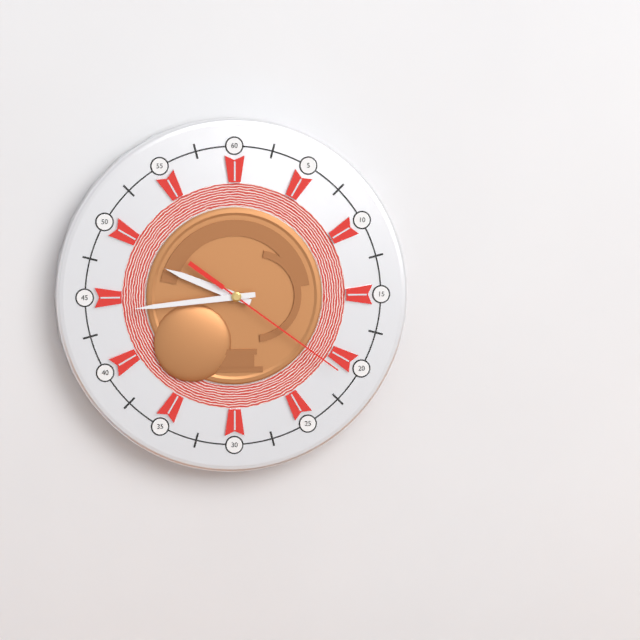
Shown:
9.44.21
